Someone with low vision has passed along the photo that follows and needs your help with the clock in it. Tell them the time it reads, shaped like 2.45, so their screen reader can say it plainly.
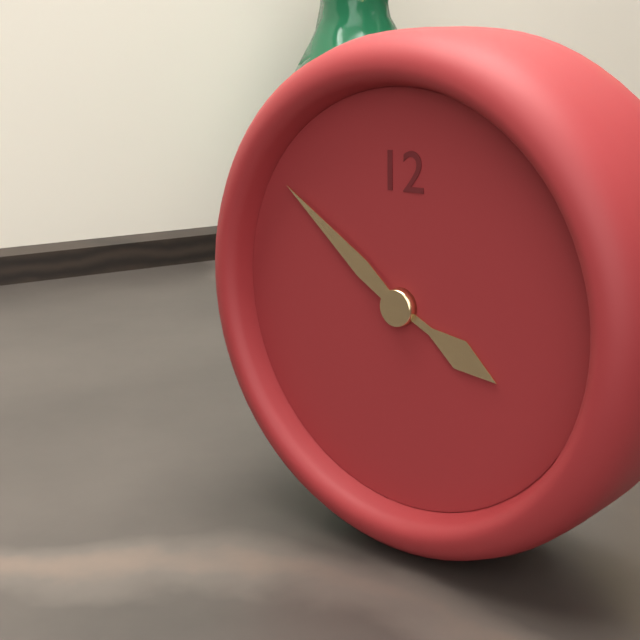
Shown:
3.51
